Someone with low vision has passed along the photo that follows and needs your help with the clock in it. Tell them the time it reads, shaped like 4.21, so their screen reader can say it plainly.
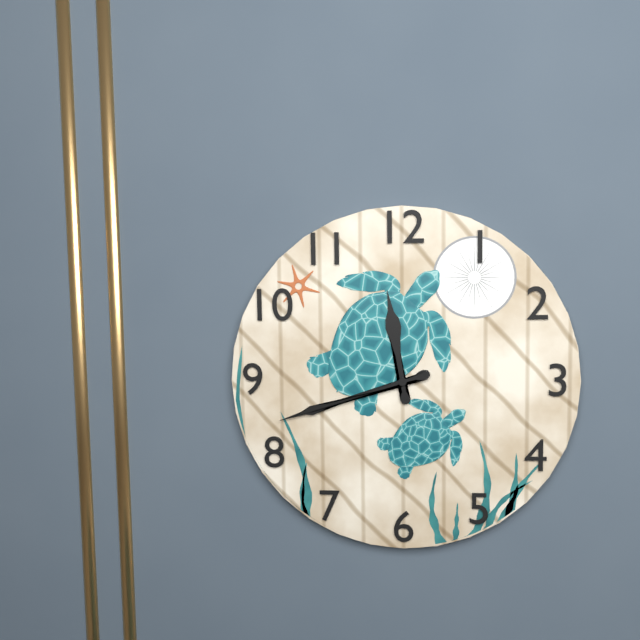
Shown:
11.42
